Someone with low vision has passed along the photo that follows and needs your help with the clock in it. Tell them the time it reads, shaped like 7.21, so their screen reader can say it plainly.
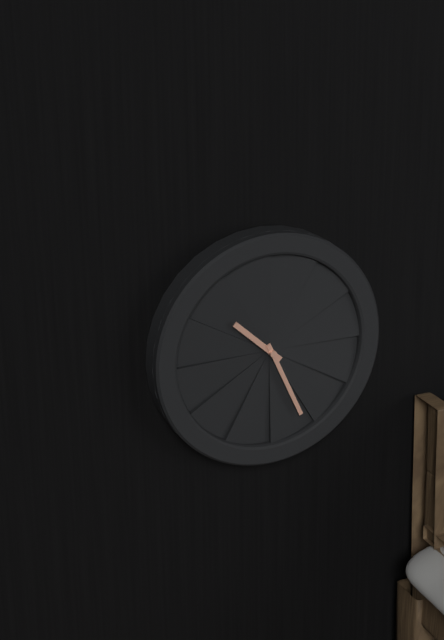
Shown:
10.26
